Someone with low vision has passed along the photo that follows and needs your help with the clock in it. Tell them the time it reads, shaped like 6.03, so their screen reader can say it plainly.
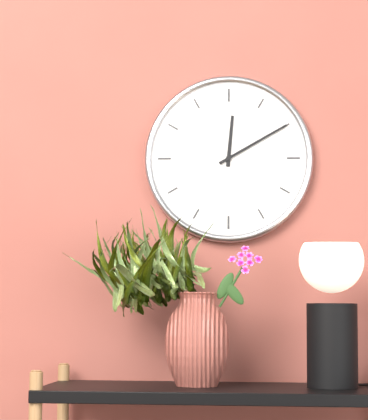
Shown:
12.10
